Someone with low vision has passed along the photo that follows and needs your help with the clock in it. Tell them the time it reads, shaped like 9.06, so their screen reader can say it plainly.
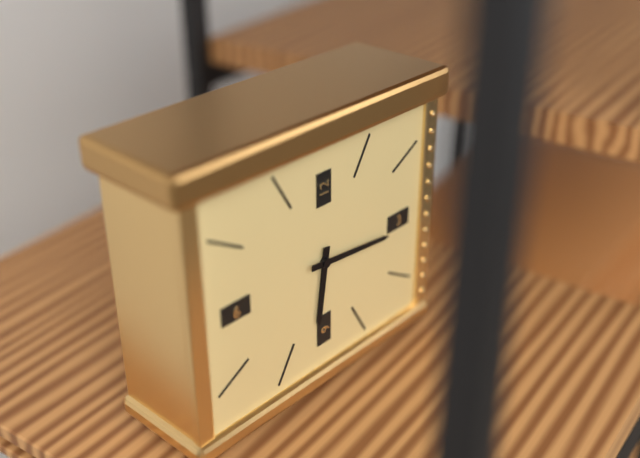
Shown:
6.16
